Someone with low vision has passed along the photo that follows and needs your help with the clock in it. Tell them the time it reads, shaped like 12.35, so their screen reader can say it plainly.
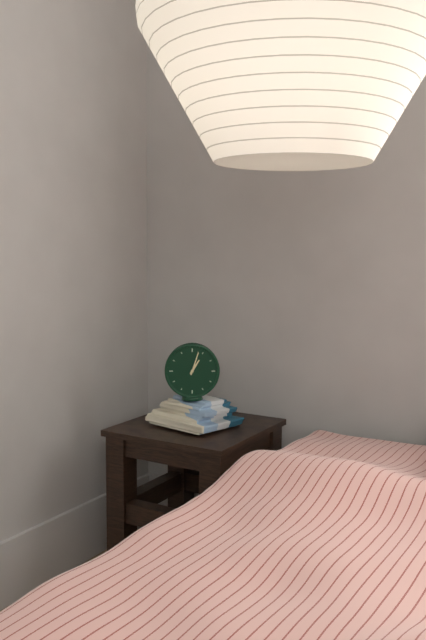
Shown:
1.03
